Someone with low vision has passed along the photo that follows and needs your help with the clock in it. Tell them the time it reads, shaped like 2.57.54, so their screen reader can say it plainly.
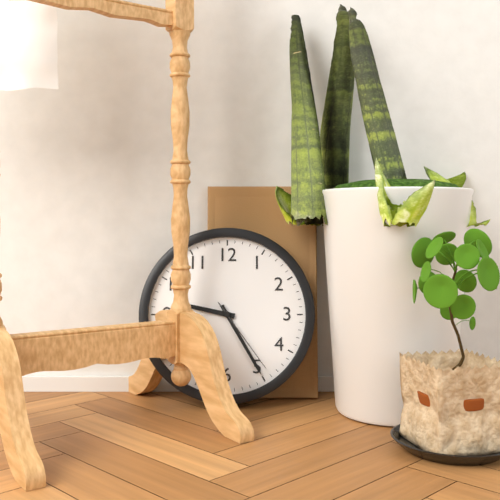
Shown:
9.25.24
